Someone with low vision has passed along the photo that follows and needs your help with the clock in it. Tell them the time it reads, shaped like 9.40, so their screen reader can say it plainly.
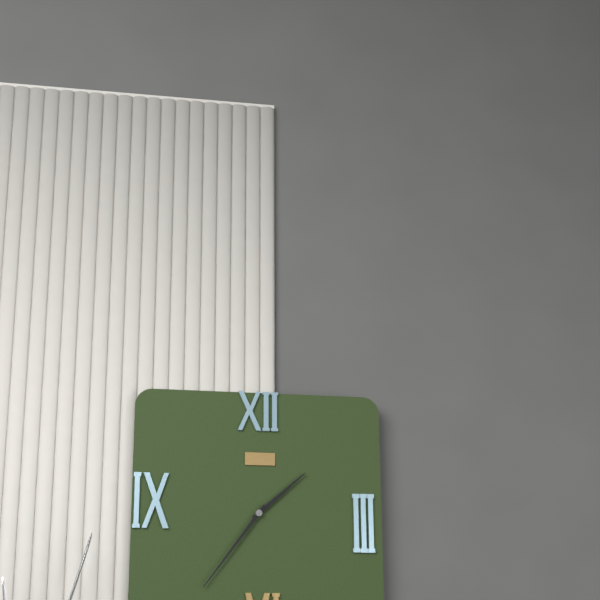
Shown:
1.36
